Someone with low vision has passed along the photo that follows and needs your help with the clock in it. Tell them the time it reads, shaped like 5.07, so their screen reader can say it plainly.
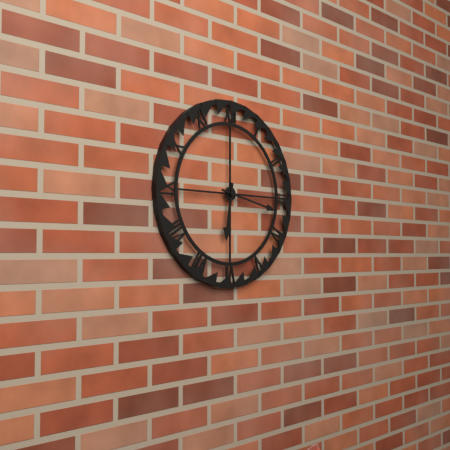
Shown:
6.17
